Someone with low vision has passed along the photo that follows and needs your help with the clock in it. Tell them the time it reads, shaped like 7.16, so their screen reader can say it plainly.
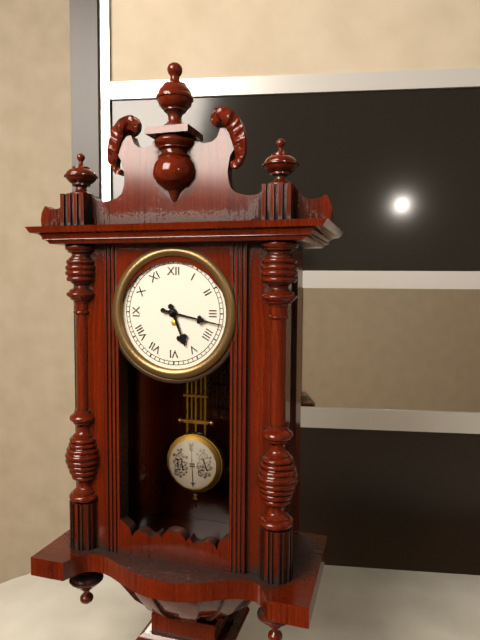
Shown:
5.17
